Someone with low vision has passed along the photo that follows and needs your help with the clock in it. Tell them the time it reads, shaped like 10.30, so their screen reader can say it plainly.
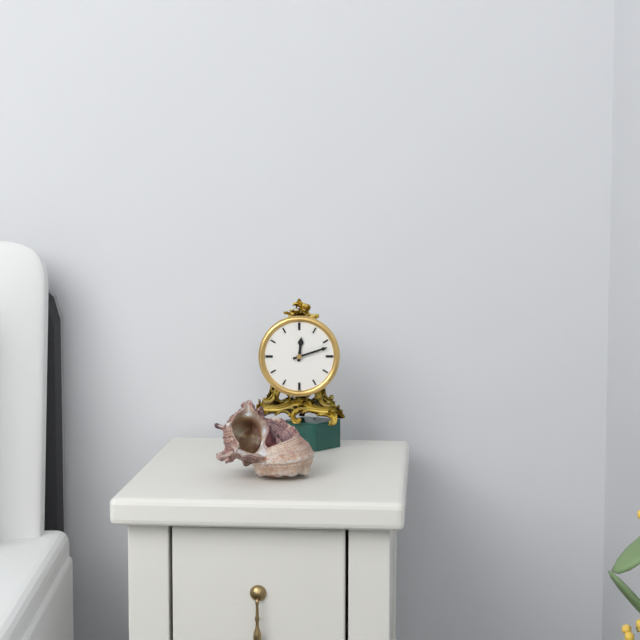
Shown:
12.12
